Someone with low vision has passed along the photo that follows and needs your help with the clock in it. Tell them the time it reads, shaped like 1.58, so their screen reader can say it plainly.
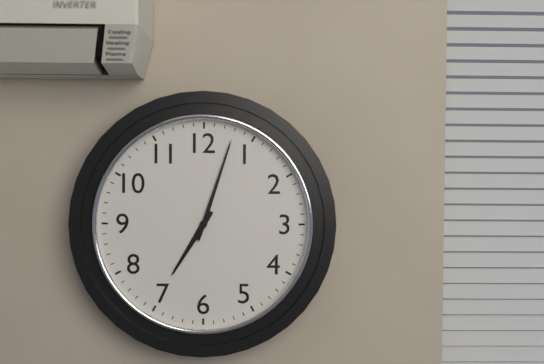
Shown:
7.03
